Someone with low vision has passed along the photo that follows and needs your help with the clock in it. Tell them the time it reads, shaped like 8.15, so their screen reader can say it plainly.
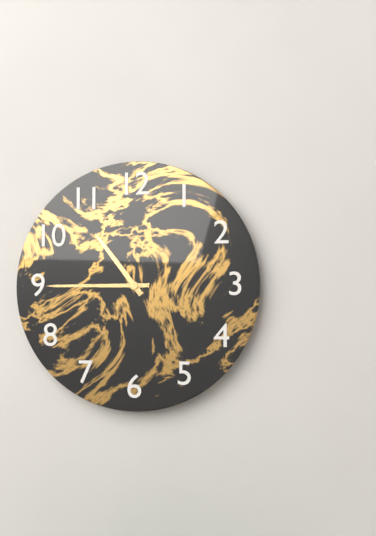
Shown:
10.45
